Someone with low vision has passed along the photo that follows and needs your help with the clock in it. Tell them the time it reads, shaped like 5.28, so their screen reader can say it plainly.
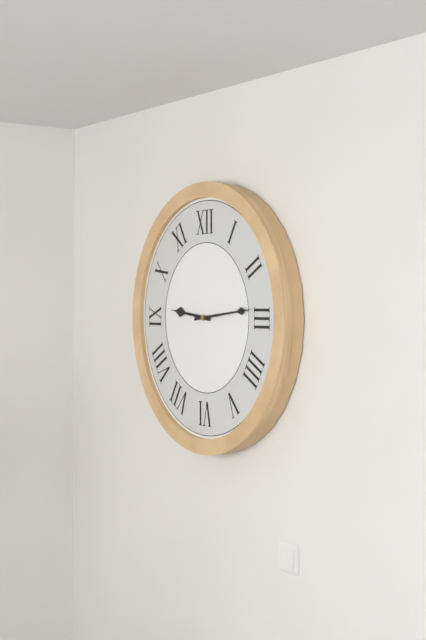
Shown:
9.14
